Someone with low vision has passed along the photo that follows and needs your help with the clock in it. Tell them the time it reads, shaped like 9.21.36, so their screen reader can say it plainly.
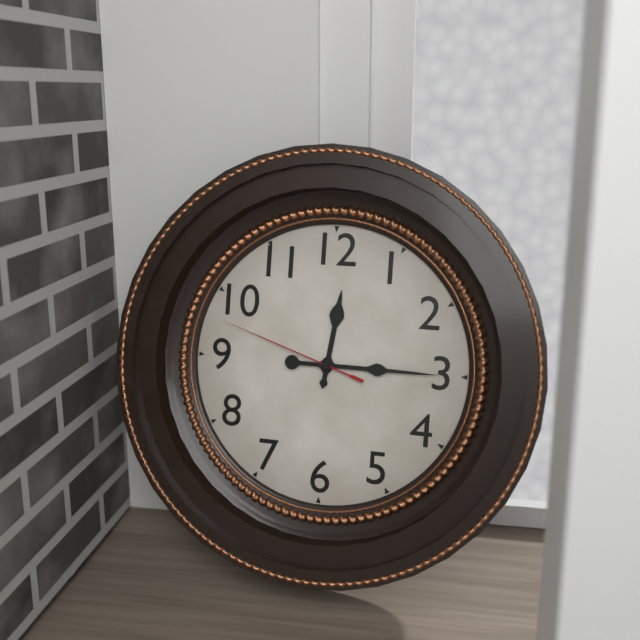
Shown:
12.15.48
